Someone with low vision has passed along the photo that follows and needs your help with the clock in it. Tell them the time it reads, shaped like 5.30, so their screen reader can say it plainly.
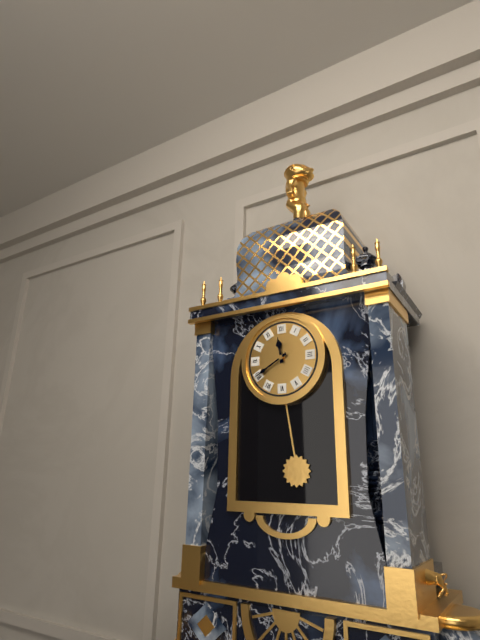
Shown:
11.40
